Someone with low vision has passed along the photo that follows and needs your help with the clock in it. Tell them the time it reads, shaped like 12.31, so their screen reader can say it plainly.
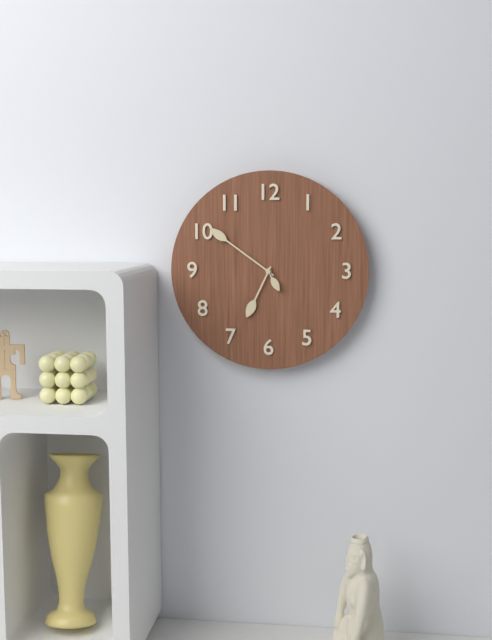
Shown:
6.51
